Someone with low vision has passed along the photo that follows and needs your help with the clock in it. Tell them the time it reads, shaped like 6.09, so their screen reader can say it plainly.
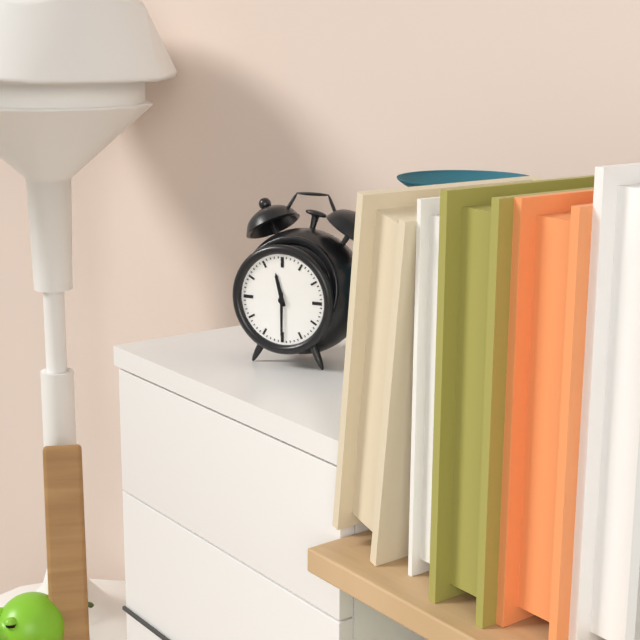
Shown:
11.30
